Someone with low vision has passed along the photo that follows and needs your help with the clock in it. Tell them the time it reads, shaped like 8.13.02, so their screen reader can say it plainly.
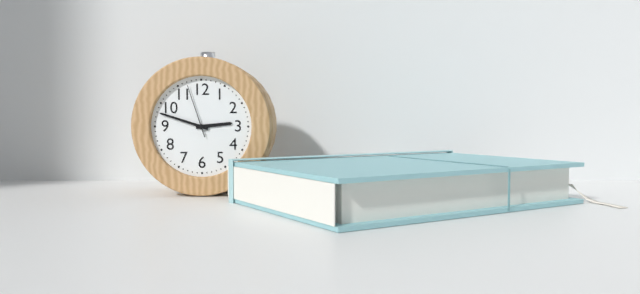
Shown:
2.48.57
